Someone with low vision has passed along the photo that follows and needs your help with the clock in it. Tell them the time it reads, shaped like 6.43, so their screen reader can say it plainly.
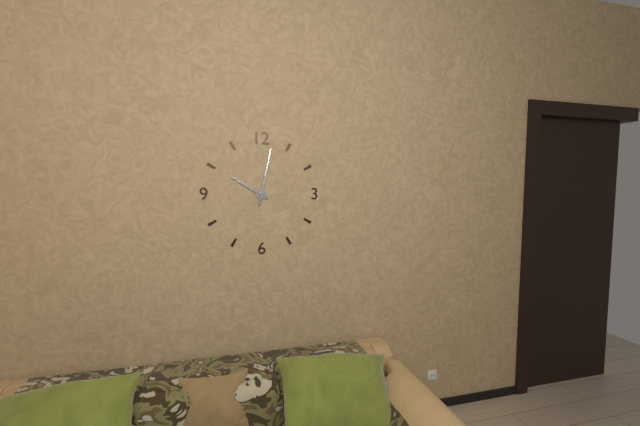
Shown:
10.02
